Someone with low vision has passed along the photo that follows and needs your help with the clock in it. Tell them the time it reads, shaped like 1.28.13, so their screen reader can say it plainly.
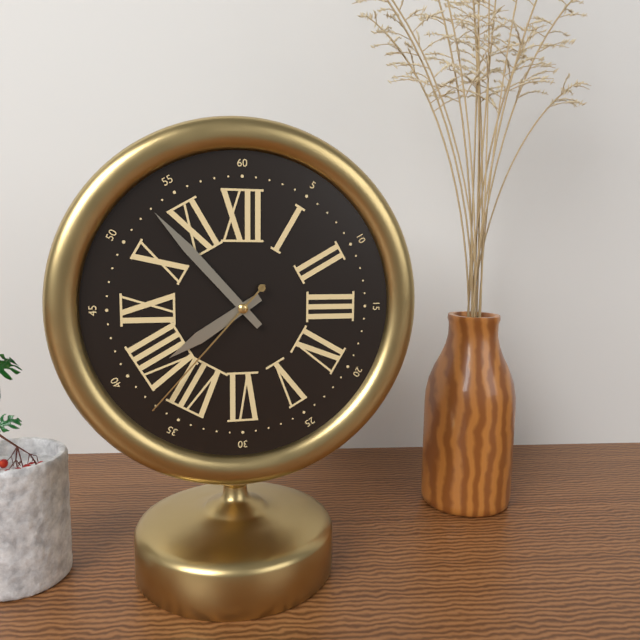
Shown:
7.53.37
